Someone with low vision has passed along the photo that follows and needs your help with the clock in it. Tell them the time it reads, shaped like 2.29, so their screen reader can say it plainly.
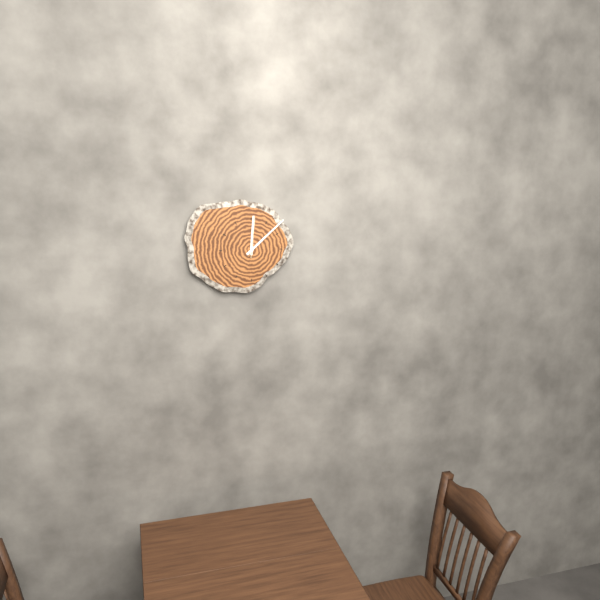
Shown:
12.08
